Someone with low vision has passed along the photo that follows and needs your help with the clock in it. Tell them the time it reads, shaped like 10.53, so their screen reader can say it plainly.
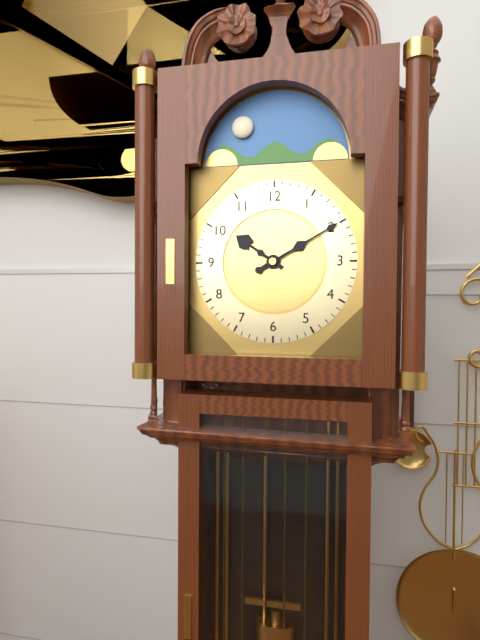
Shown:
10.10
